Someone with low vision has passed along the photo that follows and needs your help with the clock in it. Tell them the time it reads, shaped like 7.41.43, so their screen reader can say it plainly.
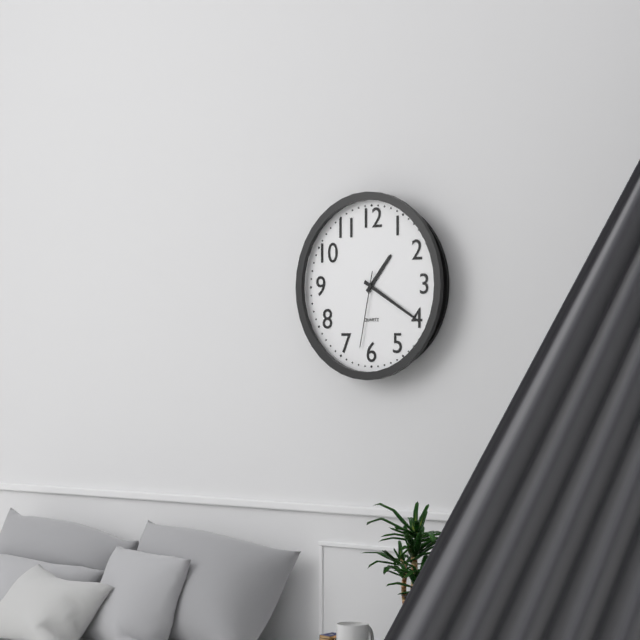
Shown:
1.20.32
